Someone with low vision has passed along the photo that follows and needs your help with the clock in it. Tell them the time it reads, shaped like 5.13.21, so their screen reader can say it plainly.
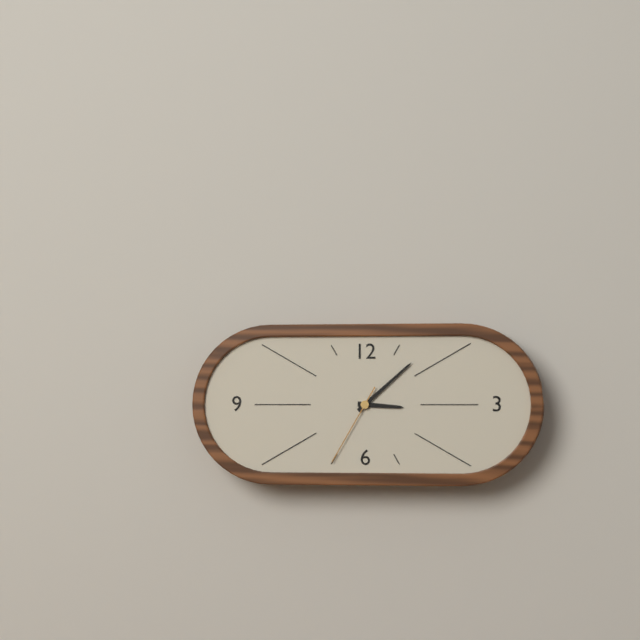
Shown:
3.08.35
